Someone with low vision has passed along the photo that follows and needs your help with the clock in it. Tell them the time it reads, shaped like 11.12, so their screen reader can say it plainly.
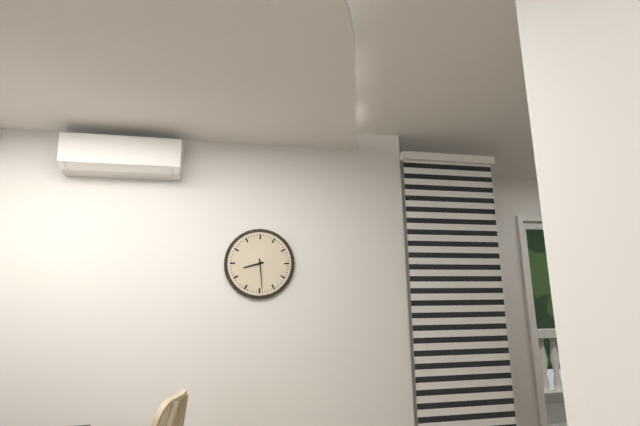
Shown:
8.29
